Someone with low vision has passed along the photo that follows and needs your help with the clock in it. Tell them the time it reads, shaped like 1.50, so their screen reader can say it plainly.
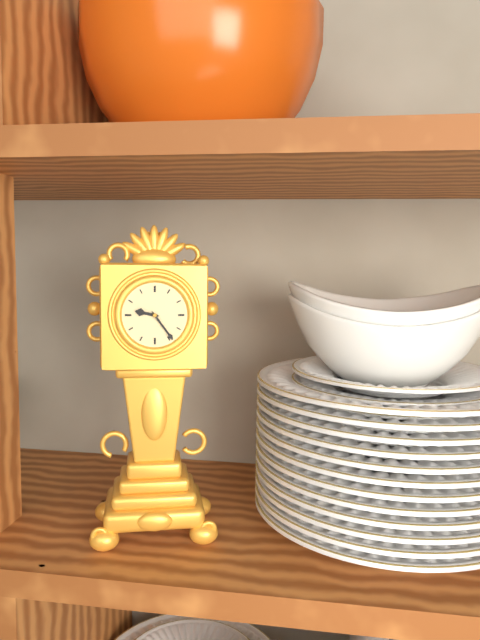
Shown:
9.24
